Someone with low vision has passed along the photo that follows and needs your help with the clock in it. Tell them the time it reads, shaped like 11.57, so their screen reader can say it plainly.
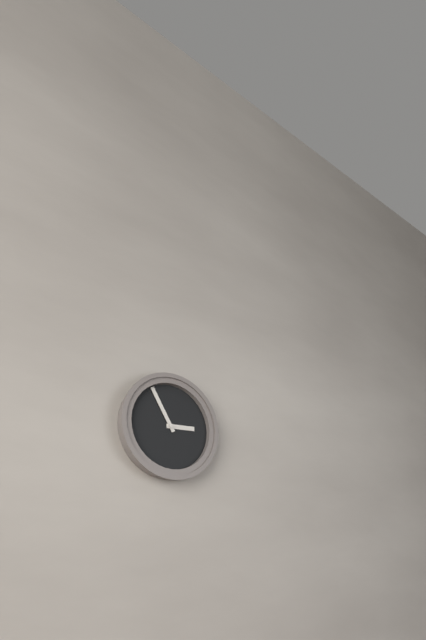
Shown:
2.55
